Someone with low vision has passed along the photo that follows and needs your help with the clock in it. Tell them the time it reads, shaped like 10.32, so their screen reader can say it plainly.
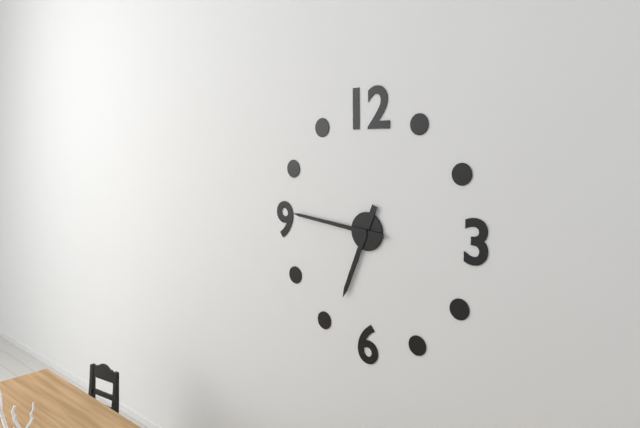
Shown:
6.46
